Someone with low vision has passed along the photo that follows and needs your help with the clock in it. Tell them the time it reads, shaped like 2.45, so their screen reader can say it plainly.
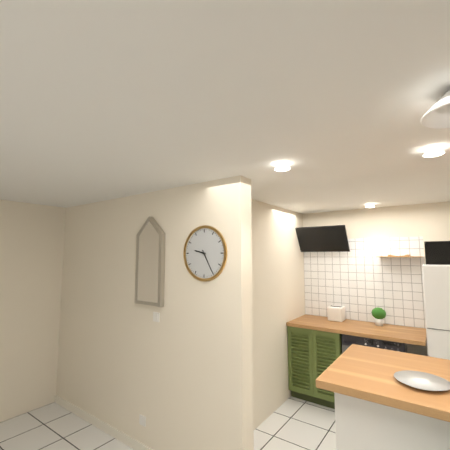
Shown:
9.25
